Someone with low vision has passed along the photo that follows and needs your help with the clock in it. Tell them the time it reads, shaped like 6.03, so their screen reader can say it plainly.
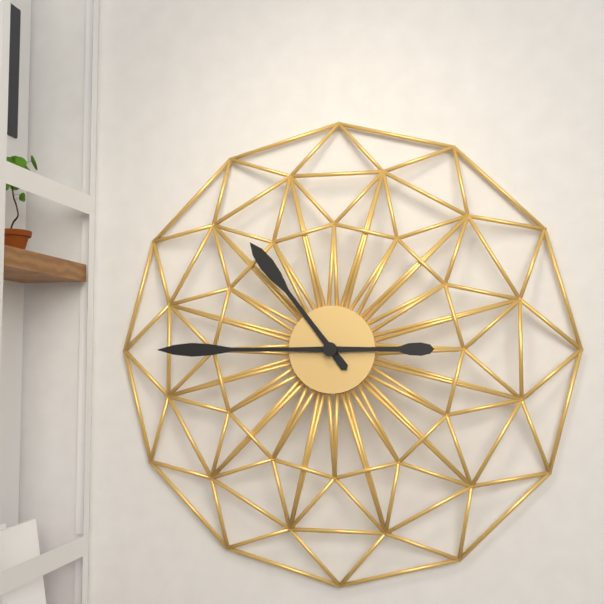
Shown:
10.45
